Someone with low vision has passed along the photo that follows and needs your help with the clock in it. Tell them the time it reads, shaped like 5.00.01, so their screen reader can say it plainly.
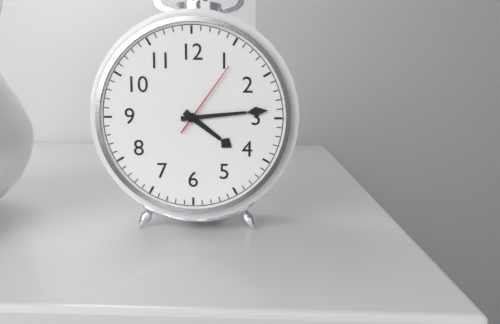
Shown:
4.14.06
